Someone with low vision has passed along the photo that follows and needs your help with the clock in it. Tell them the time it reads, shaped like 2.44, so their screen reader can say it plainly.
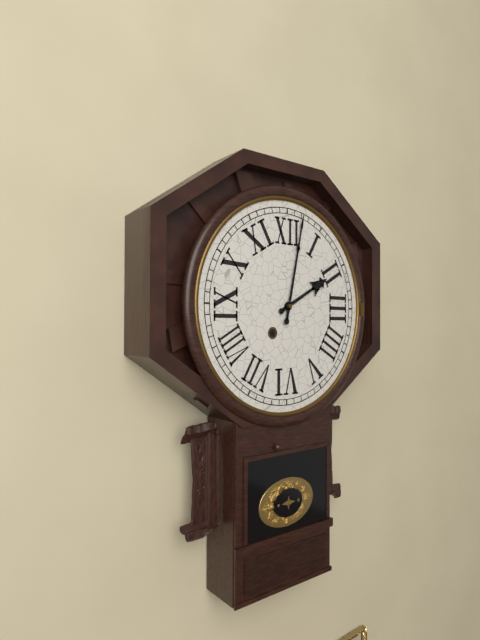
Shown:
2.02
